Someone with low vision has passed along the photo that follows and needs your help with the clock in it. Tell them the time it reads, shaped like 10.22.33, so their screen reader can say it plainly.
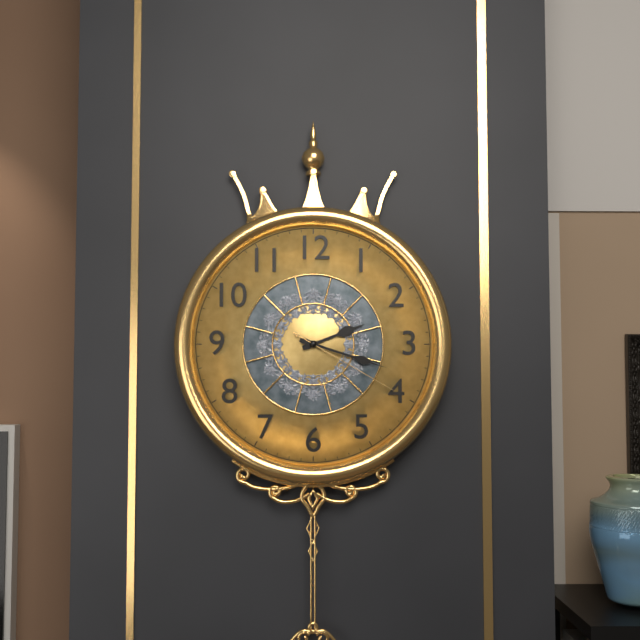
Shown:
2.18.20
